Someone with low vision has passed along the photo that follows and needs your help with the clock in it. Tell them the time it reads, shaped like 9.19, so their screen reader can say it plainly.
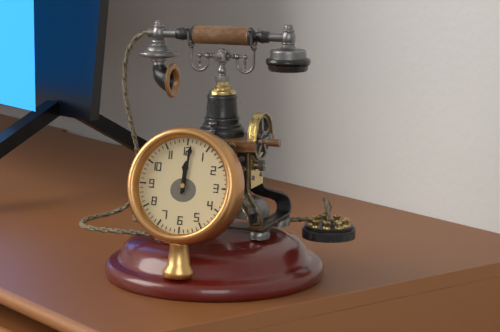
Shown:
12.01
